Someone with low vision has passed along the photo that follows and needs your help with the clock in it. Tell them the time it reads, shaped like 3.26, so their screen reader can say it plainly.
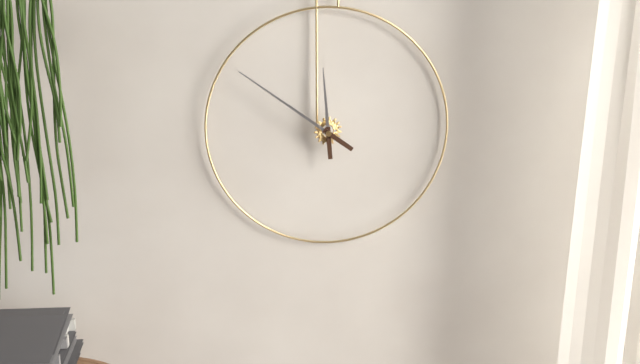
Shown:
11.51
